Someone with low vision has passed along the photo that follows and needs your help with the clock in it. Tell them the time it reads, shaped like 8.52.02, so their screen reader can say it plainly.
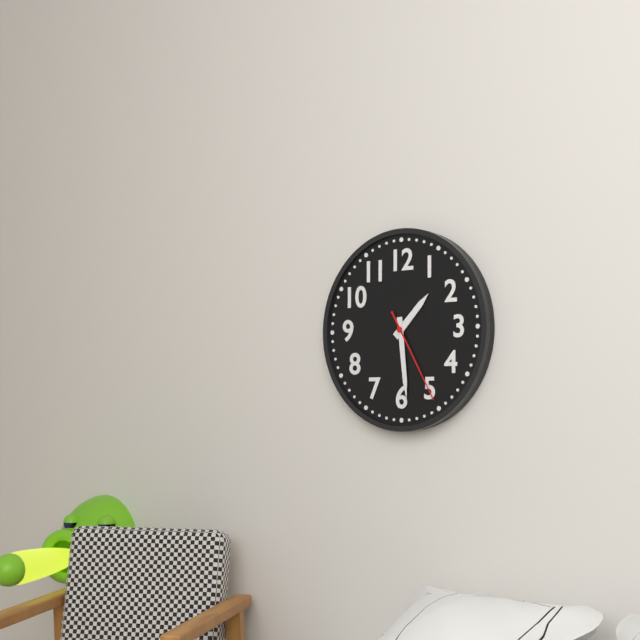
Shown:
1.29.25
